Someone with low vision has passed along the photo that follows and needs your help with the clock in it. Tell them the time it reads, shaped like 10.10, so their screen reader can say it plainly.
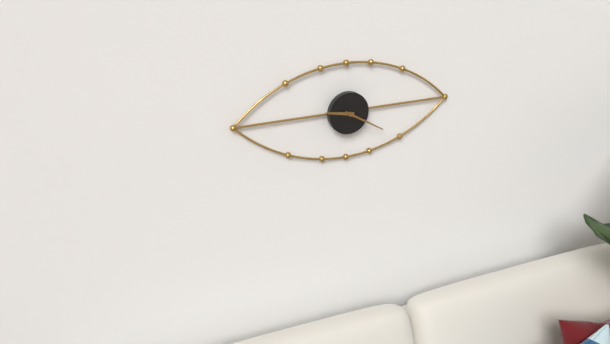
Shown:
9.20
